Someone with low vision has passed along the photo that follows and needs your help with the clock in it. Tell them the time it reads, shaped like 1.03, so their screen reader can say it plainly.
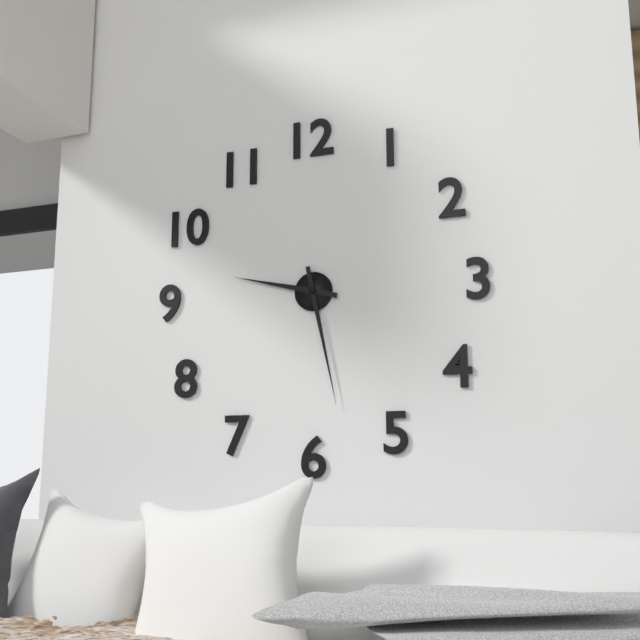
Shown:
9.28
